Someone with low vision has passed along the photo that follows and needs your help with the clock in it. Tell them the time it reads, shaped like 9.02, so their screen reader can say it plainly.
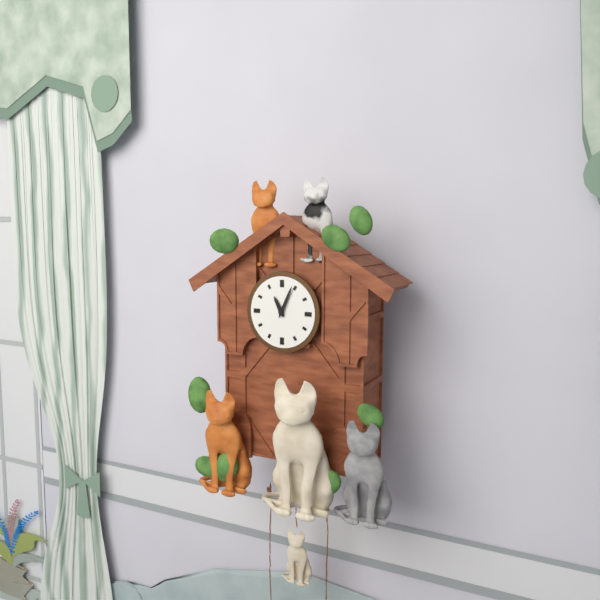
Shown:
11.04
